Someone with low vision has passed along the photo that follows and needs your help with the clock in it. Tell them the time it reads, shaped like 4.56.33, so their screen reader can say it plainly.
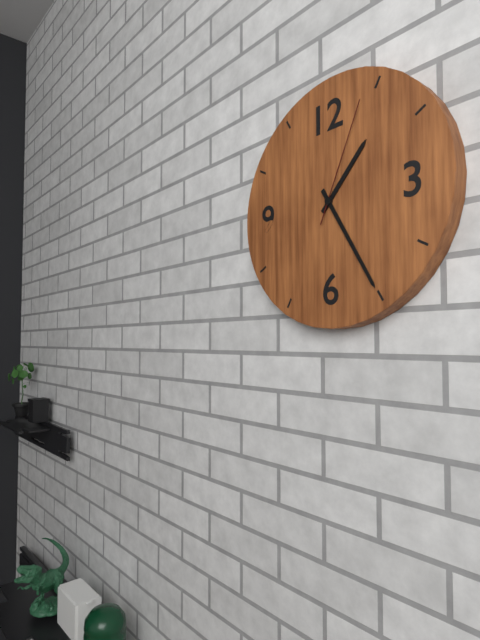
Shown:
1.25.04
